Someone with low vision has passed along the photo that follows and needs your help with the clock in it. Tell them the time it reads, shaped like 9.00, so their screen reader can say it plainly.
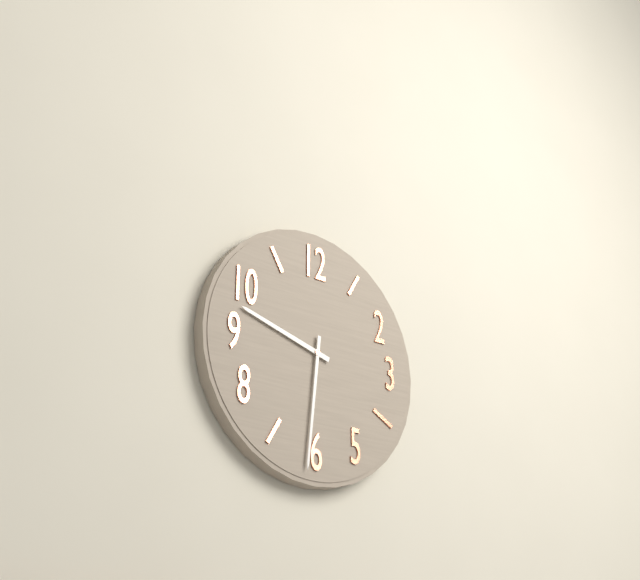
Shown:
9.31
